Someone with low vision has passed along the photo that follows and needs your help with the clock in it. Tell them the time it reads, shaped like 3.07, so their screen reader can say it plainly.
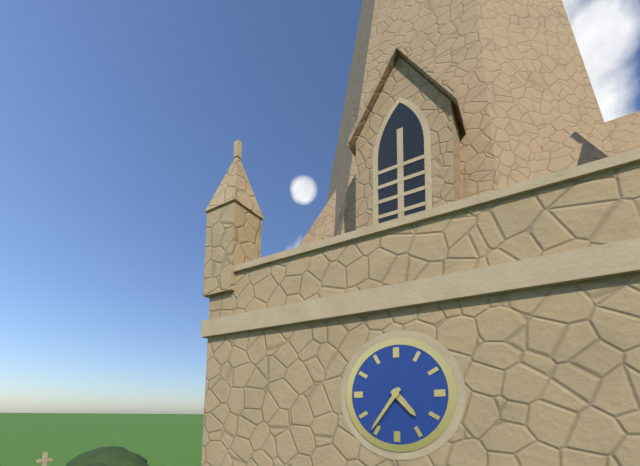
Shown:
4.36
